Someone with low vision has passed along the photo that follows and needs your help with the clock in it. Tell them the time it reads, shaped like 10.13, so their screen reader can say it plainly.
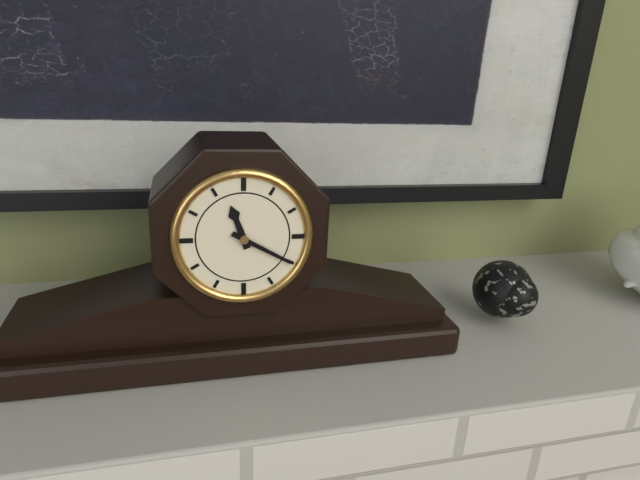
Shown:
11.20
